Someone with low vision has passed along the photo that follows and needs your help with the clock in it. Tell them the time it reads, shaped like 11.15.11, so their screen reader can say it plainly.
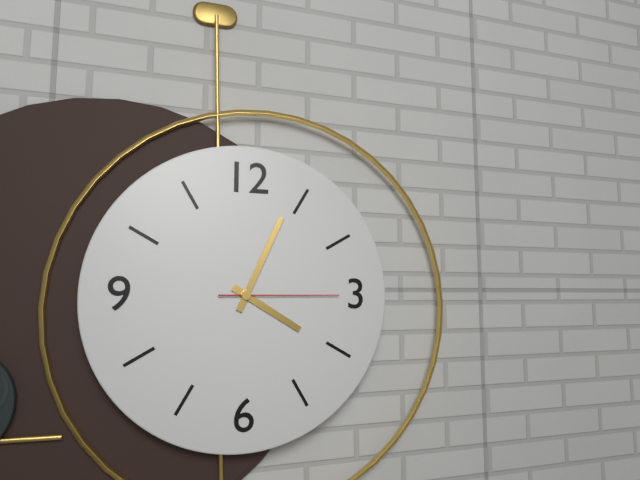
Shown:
4.04.15
